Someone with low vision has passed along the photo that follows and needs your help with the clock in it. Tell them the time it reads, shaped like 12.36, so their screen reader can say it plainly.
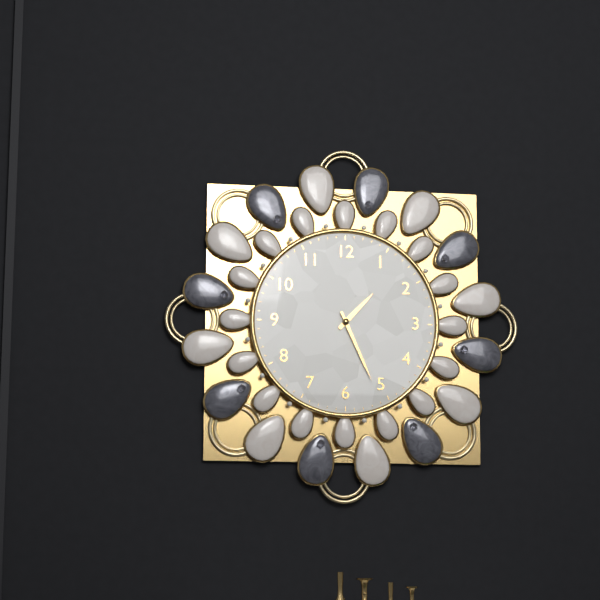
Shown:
1.26
